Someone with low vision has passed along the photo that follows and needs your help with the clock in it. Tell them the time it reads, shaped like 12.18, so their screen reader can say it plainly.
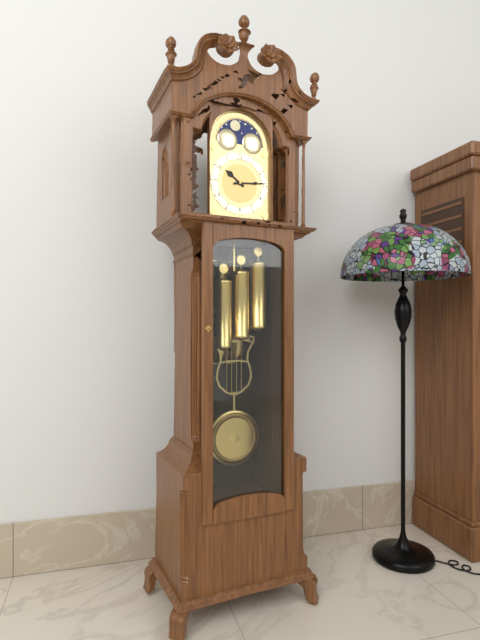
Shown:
10.14
